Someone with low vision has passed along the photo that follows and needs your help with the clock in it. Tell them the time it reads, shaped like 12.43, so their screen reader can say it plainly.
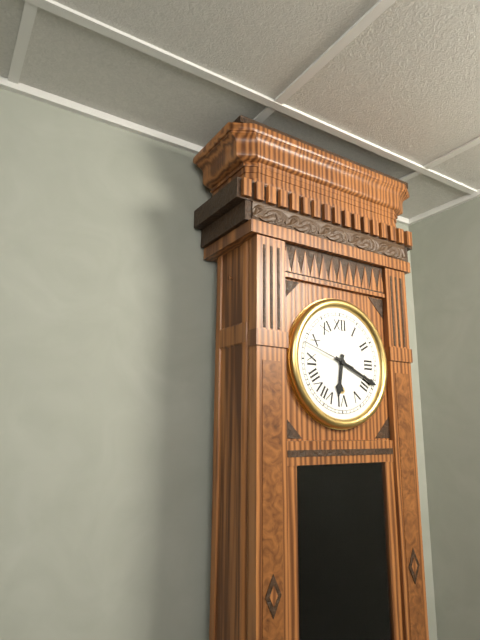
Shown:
6.19
